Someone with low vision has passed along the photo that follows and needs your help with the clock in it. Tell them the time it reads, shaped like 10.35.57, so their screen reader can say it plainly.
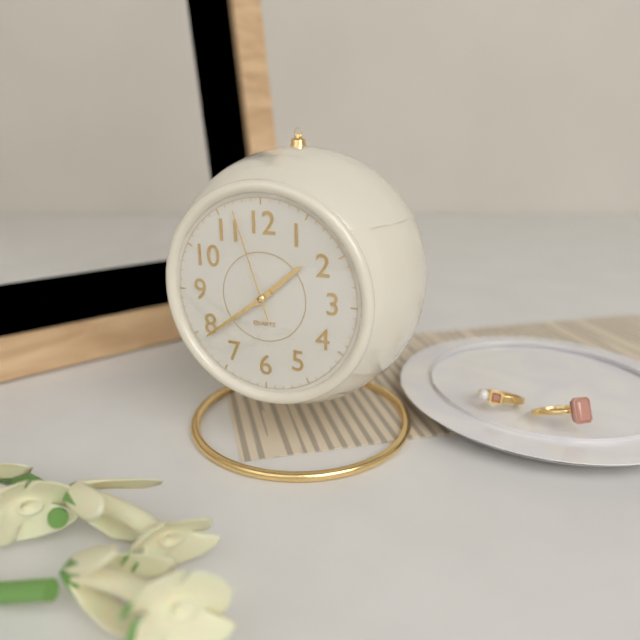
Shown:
1.39.57
